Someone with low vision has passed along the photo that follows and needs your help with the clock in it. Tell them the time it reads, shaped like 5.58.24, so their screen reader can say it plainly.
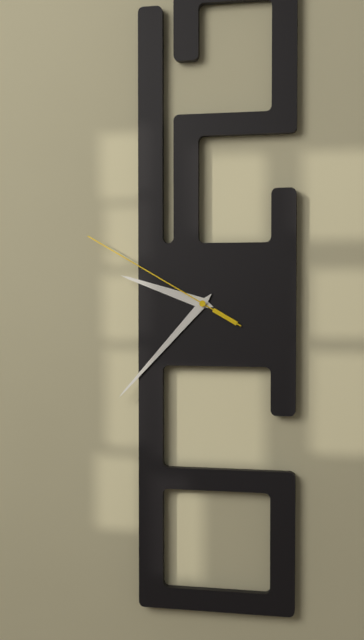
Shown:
9.37.50
